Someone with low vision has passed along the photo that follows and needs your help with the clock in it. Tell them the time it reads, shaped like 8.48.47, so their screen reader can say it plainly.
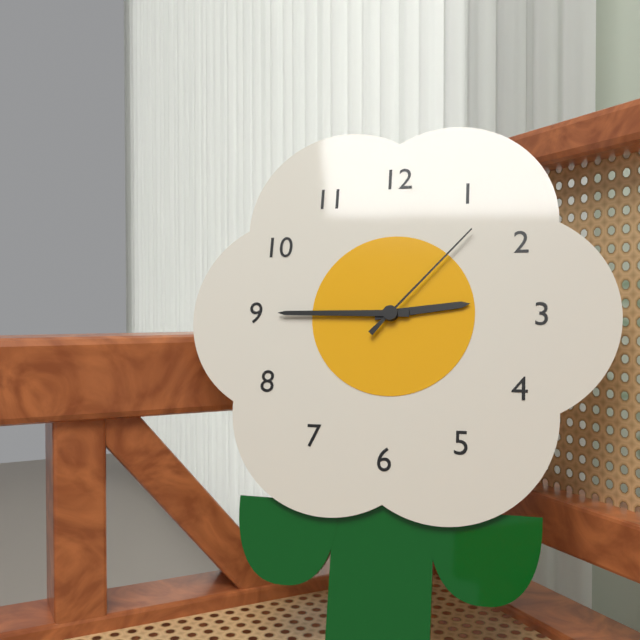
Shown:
2.45.07
